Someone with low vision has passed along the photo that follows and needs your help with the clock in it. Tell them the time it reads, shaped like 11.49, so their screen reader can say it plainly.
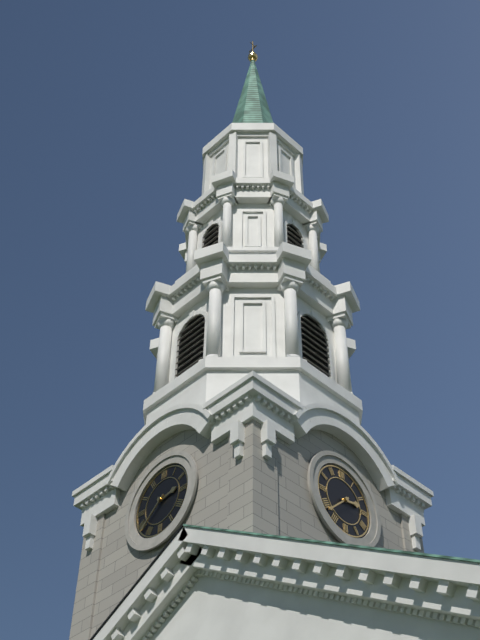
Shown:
2.38
